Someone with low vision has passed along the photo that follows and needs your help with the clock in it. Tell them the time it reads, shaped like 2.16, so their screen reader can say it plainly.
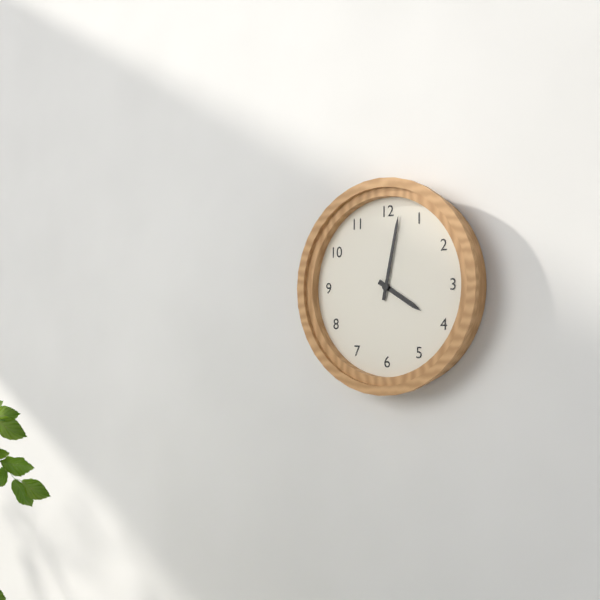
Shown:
4.02
